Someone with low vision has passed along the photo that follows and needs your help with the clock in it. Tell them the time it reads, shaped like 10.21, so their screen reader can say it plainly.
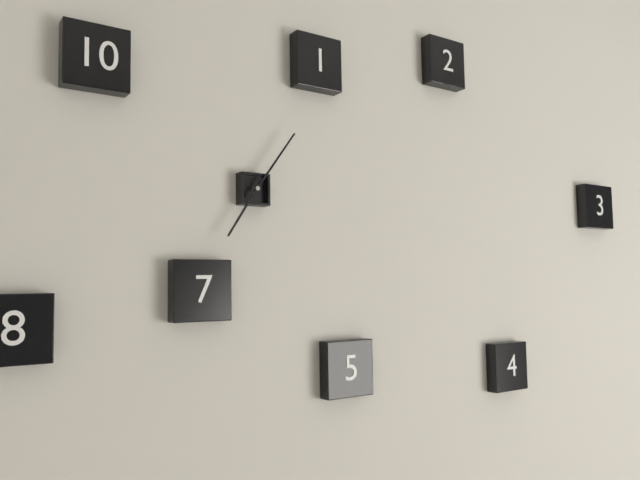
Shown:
7.06
